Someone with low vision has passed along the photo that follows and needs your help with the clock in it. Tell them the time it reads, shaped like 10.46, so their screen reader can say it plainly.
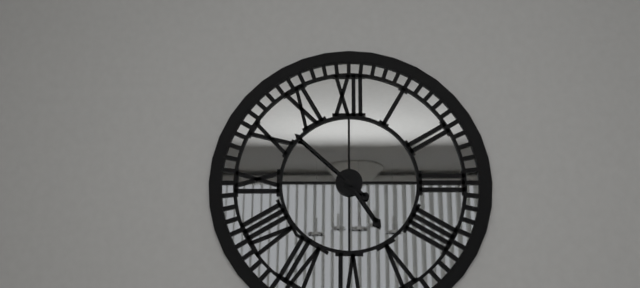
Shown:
4.52
